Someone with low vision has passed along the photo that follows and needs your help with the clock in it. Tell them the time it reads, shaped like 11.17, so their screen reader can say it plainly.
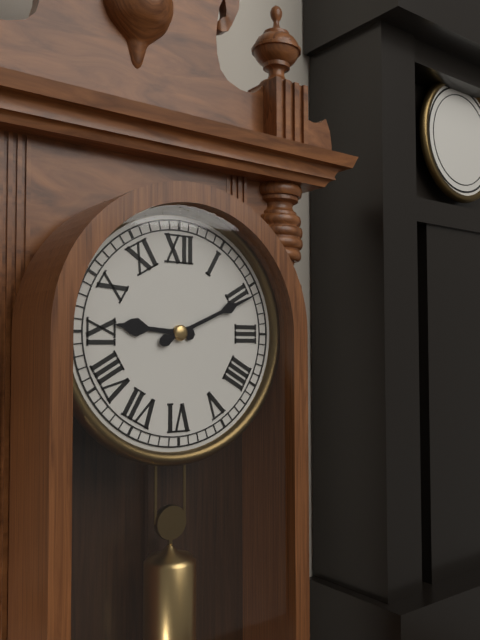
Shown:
9.11
